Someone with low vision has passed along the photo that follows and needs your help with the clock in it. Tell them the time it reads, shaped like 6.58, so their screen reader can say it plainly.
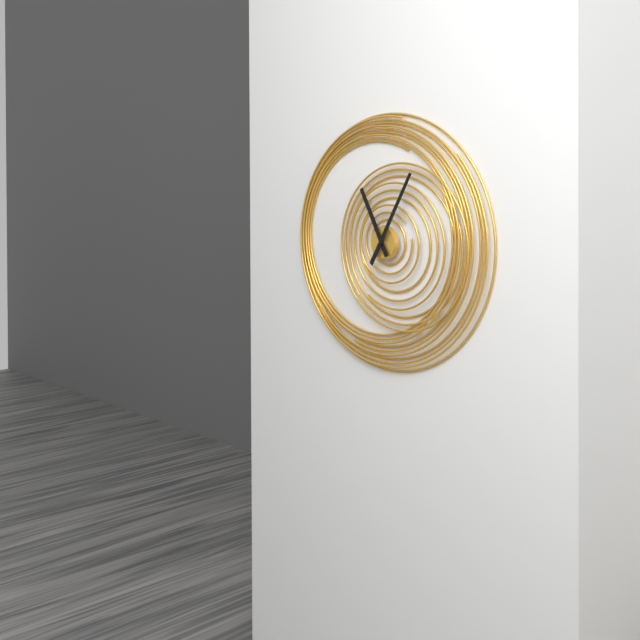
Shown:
11.05
